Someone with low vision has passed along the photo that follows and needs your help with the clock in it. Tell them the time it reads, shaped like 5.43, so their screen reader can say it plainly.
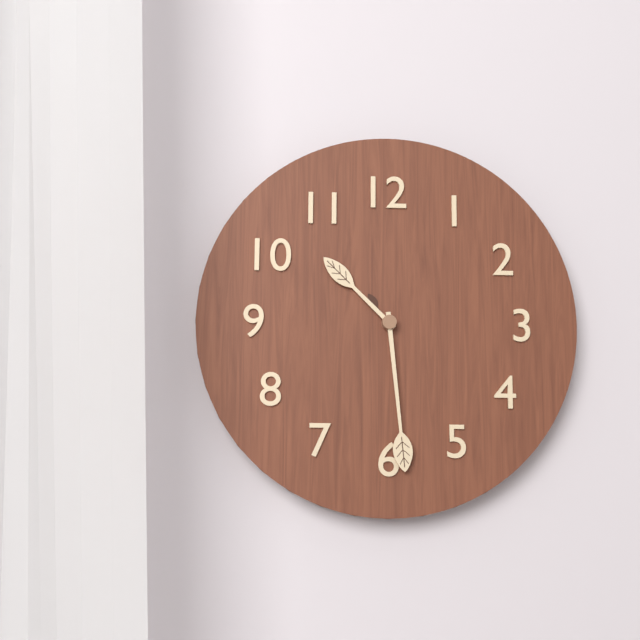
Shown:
10.29
